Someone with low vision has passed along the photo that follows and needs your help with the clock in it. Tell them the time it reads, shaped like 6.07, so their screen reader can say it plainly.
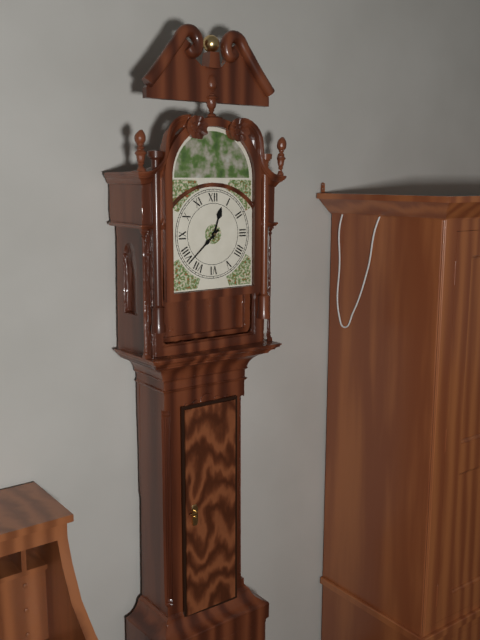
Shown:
12.38
